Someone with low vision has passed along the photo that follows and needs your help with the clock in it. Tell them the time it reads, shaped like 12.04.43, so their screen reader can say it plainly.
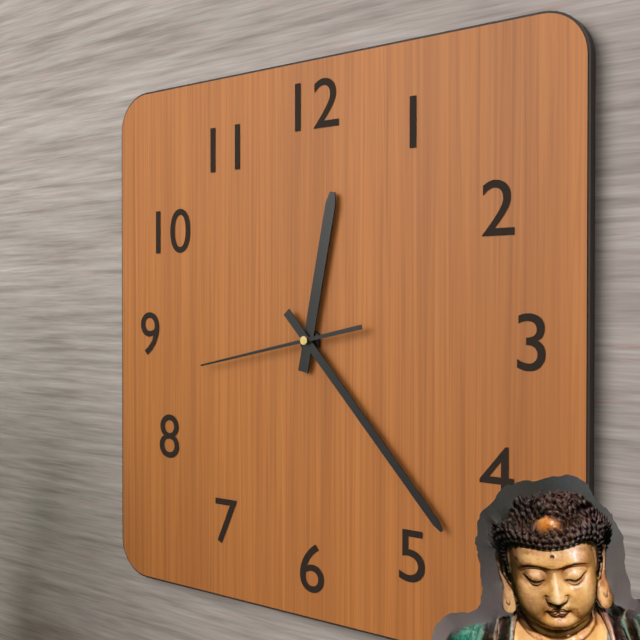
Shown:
12.23.43
